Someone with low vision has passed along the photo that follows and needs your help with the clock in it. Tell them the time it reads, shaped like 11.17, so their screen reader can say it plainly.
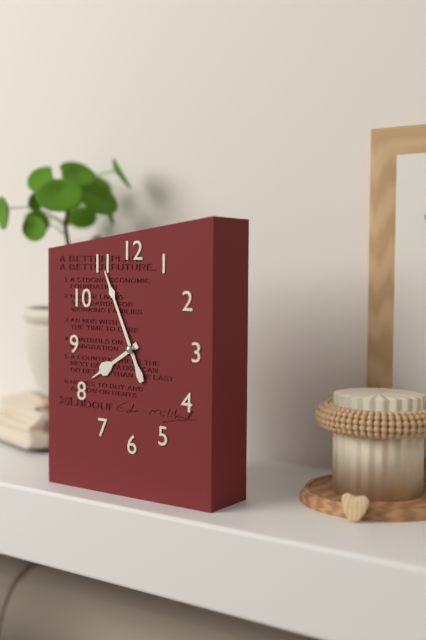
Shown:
7.56
